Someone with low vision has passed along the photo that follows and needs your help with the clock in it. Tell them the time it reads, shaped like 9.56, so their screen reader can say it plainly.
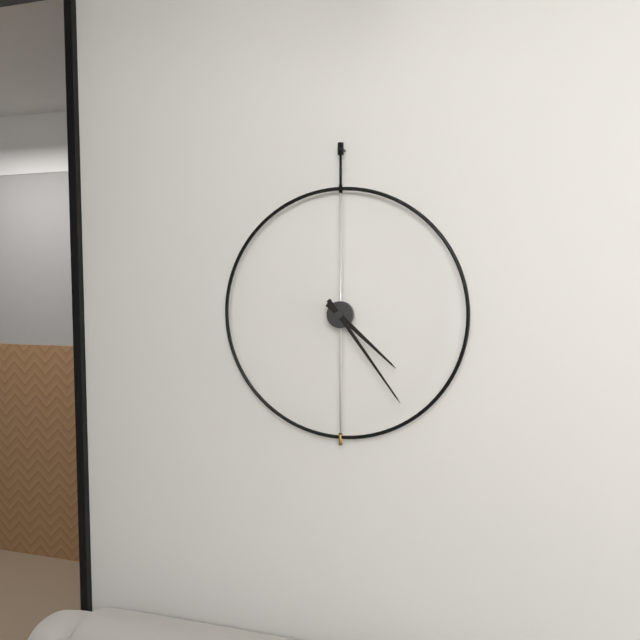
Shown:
4.24
